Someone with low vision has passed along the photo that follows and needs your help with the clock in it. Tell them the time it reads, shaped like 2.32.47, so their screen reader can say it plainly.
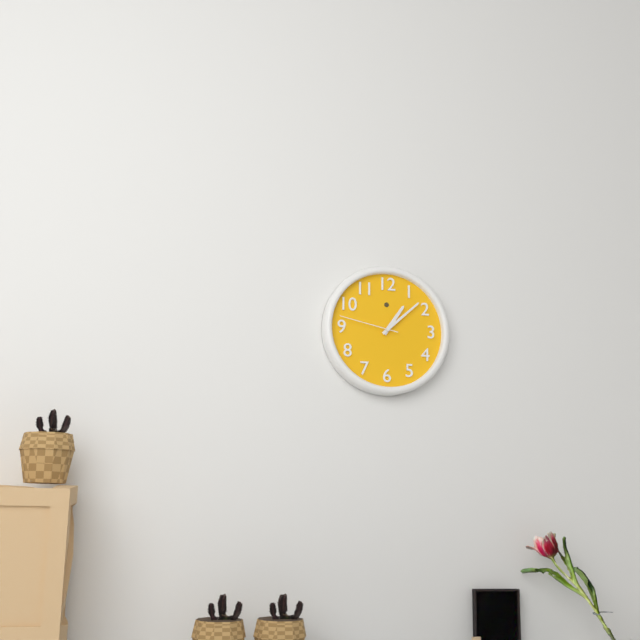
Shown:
1.08.47
